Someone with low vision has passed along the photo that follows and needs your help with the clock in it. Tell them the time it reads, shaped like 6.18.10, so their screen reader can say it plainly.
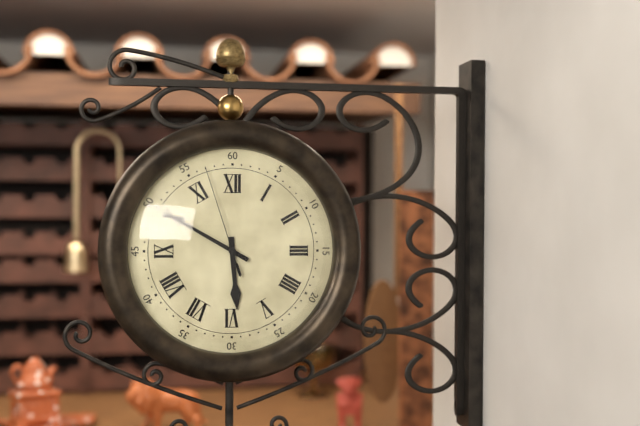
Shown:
5.50.57
